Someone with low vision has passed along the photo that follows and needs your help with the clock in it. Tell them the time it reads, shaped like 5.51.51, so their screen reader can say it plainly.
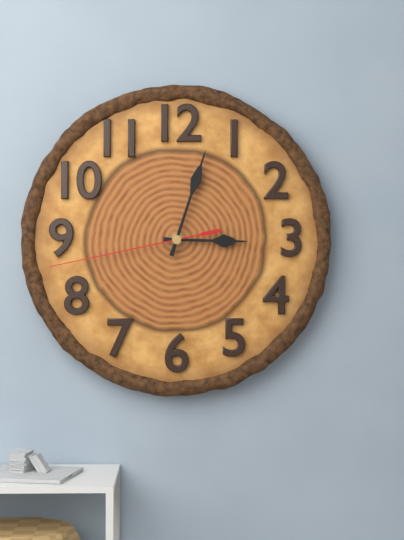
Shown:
3.03.43
